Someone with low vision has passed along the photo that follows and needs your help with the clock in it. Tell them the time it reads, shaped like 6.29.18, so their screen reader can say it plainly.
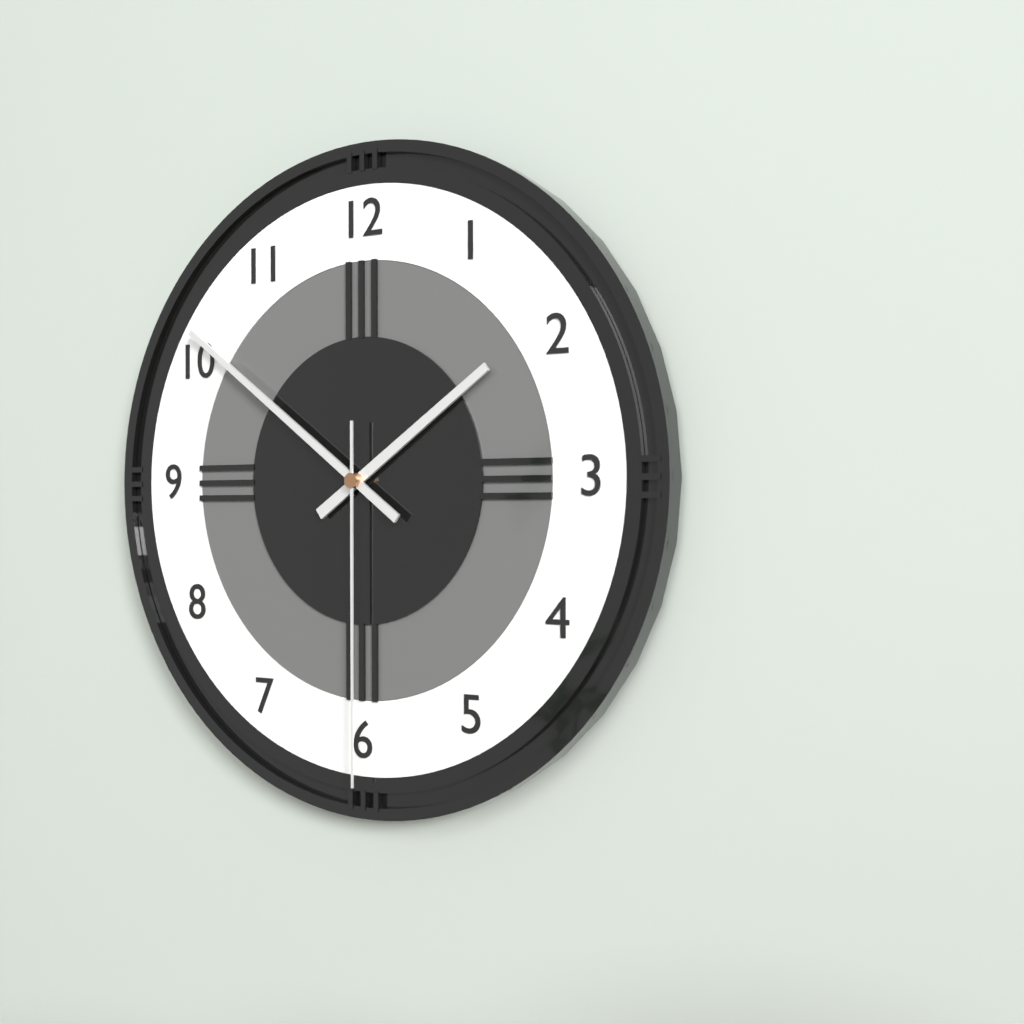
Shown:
1.51.30
